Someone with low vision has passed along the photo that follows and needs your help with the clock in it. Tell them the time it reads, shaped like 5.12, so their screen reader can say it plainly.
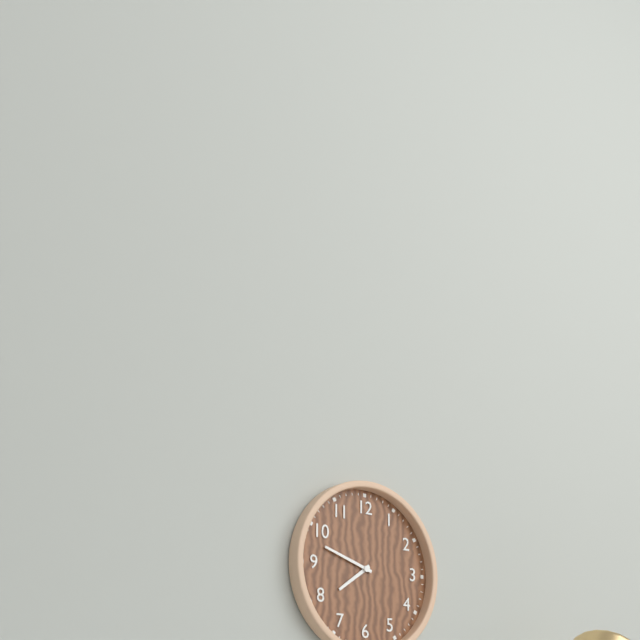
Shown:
7.48
